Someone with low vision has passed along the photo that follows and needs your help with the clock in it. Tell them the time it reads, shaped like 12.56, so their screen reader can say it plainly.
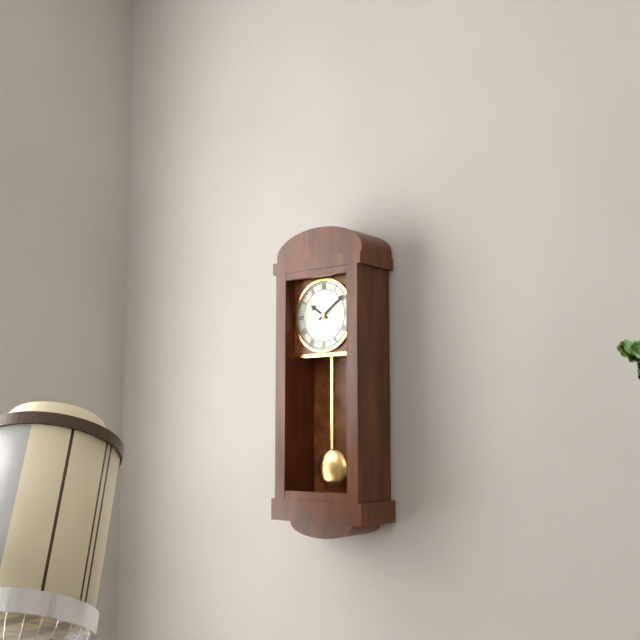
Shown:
10.09
